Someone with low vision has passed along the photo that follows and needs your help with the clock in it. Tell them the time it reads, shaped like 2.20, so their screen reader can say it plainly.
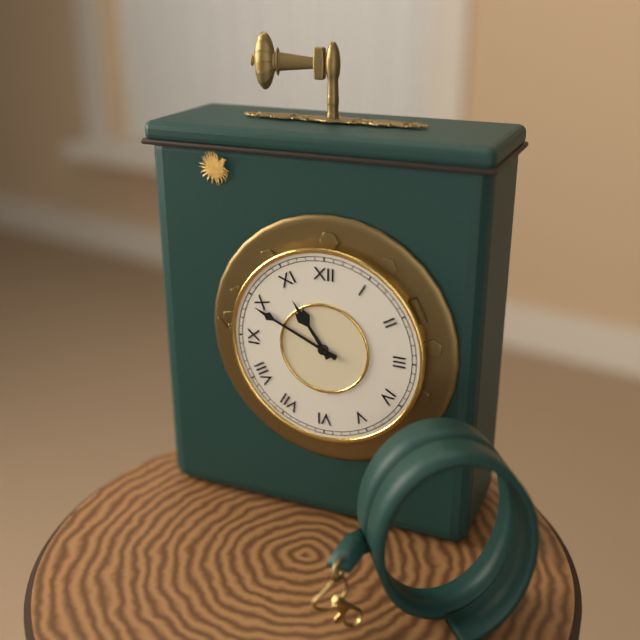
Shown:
10.49
